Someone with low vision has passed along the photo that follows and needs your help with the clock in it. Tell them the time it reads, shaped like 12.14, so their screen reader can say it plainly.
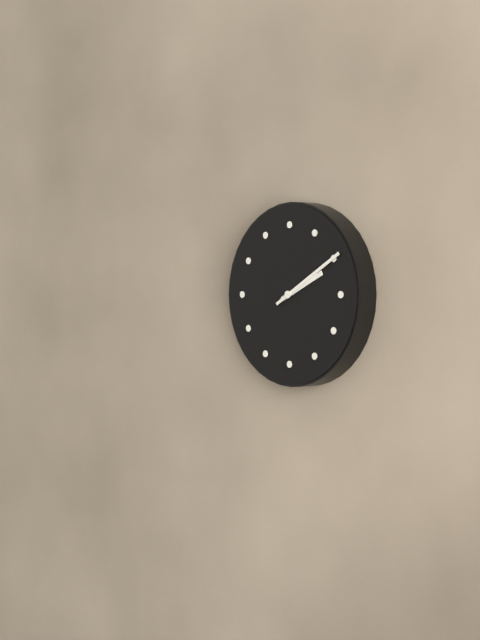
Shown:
2.10
